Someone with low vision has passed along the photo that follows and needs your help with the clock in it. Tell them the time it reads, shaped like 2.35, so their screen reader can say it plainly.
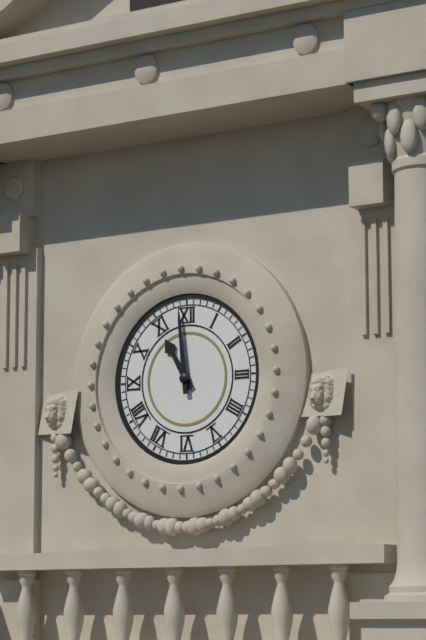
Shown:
10.59
